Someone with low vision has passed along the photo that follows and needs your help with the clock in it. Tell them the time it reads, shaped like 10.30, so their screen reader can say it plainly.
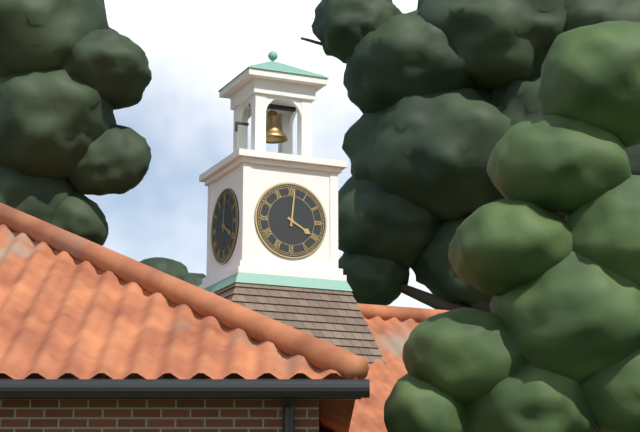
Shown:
4.01
